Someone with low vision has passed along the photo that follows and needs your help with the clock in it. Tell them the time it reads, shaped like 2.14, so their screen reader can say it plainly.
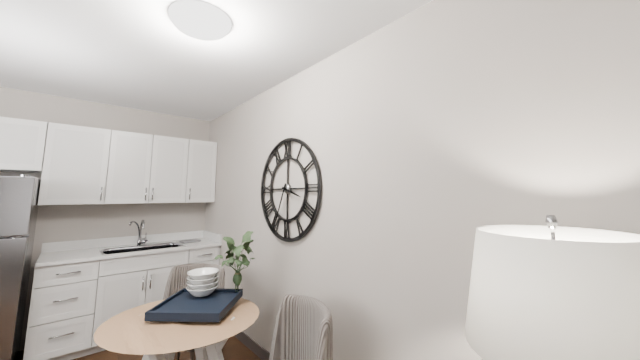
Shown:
3.34
